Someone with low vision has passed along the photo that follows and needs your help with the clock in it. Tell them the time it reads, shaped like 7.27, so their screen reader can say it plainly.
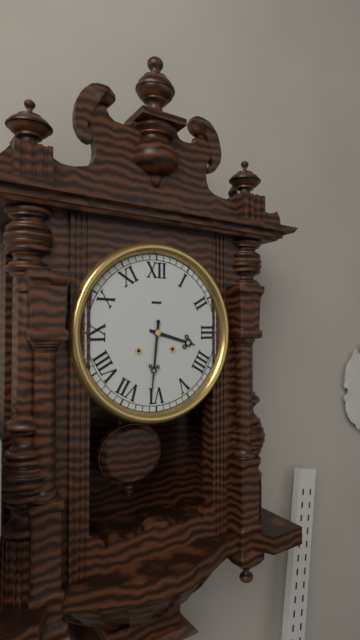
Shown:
3.31
